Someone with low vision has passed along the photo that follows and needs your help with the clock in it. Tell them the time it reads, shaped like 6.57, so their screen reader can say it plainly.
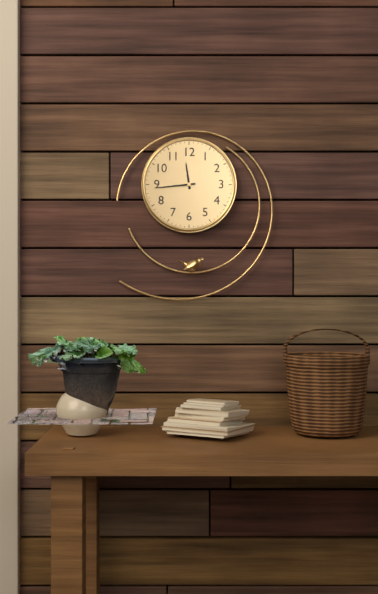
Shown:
11.44
